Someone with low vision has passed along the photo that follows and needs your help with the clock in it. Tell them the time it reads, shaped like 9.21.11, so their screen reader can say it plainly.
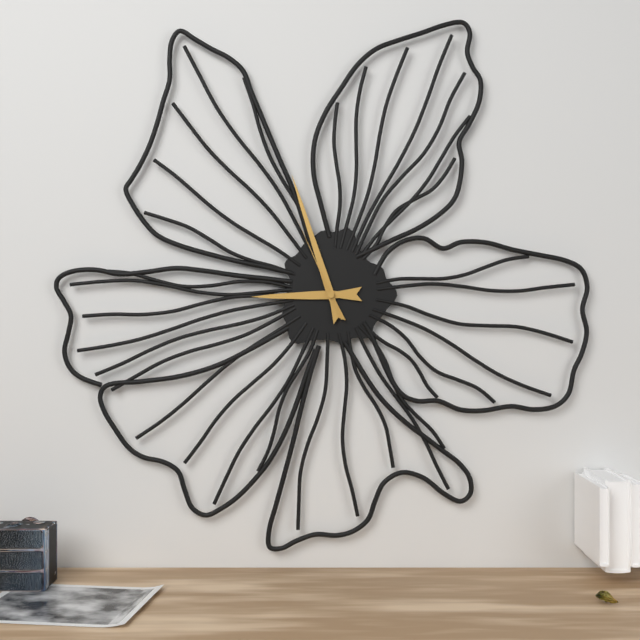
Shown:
8.57.56
